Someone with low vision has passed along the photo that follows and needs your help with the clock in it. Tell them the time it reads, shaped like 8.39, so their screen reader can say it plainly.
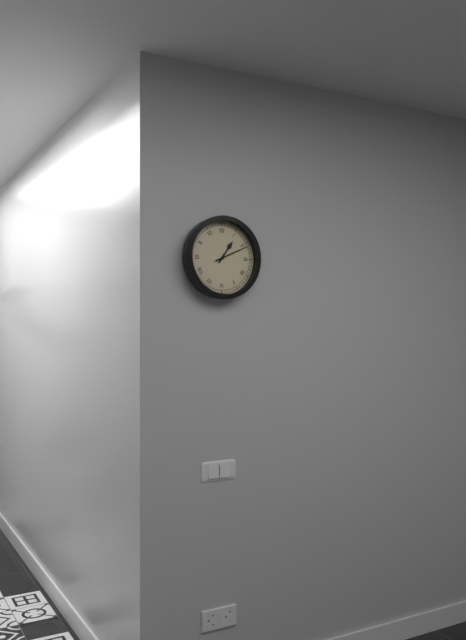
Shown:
1.11
